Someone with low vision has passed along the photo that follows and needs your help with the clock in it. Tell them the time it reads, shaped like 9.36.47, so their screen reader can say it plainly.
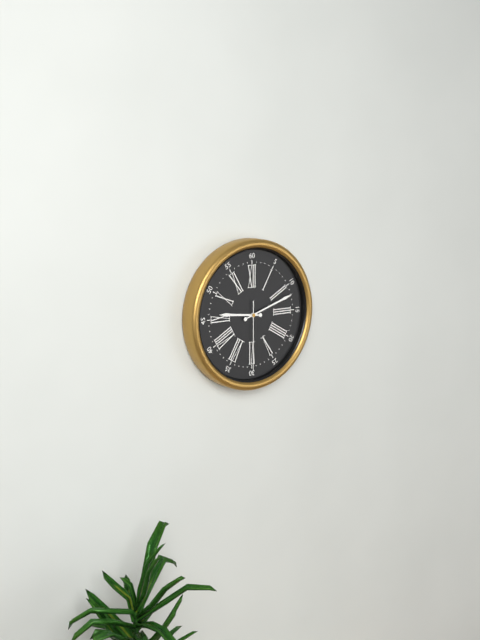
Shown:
9.12.30
